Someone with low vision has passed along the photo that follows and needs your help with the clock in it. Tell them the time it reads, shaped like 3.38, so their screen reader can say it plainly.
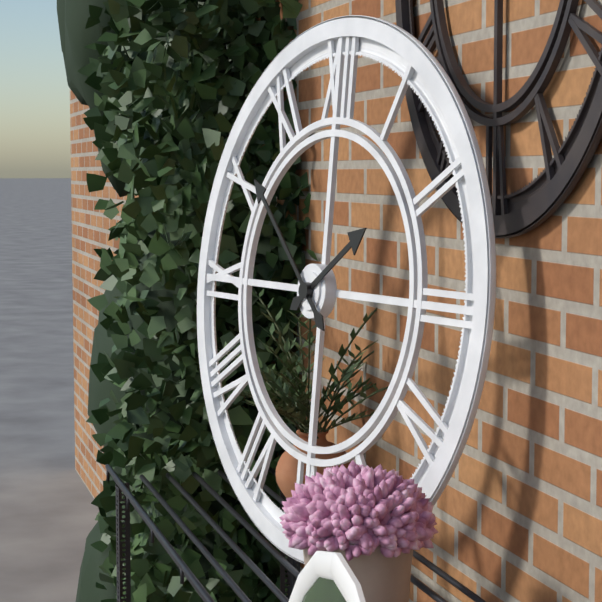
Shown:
1.52
